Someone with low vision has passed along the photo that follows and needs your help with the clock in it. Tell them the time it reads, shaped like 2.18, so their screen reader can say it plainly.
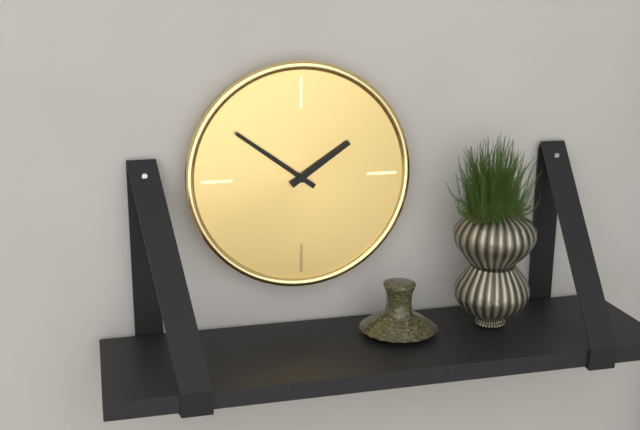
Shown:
1.51
